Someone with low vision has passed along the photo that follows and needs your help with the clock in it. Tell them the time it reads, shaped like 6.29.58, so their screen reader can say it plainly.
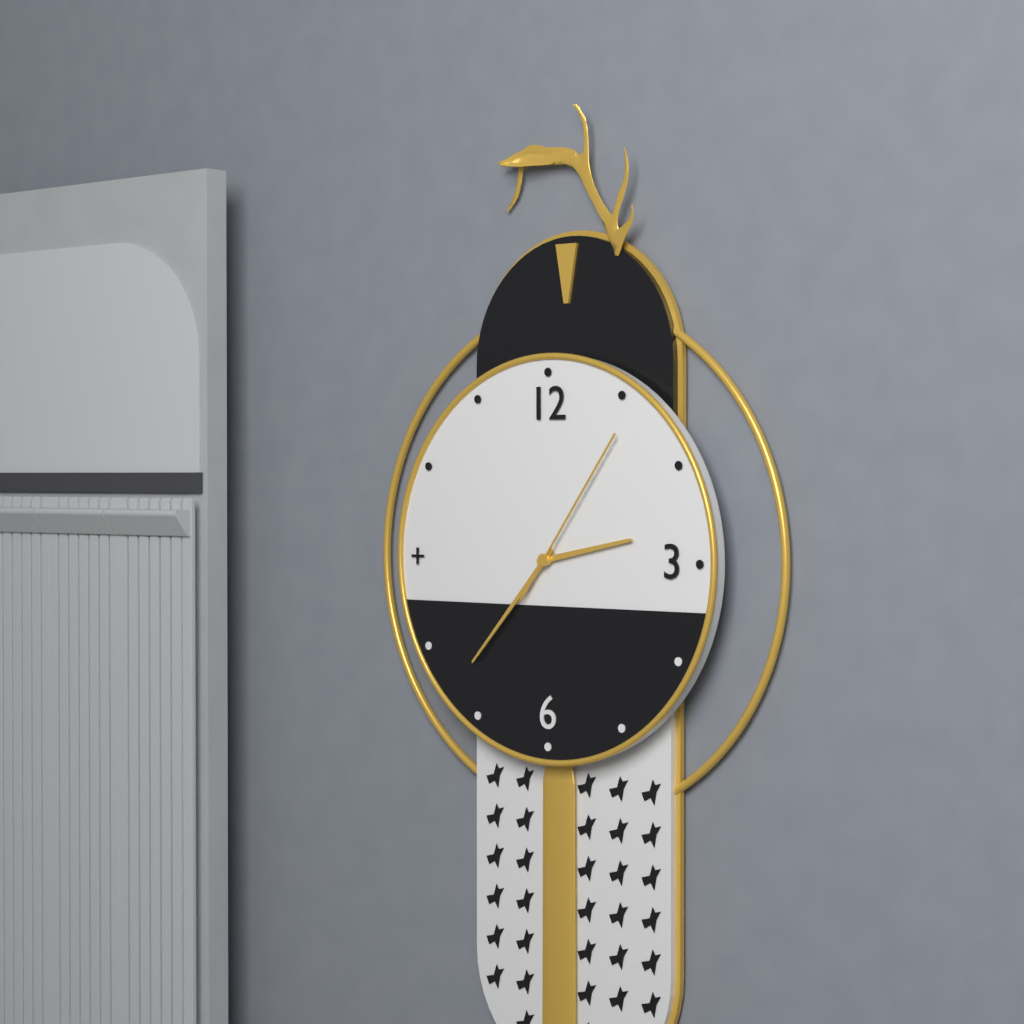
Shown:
2.37.06
